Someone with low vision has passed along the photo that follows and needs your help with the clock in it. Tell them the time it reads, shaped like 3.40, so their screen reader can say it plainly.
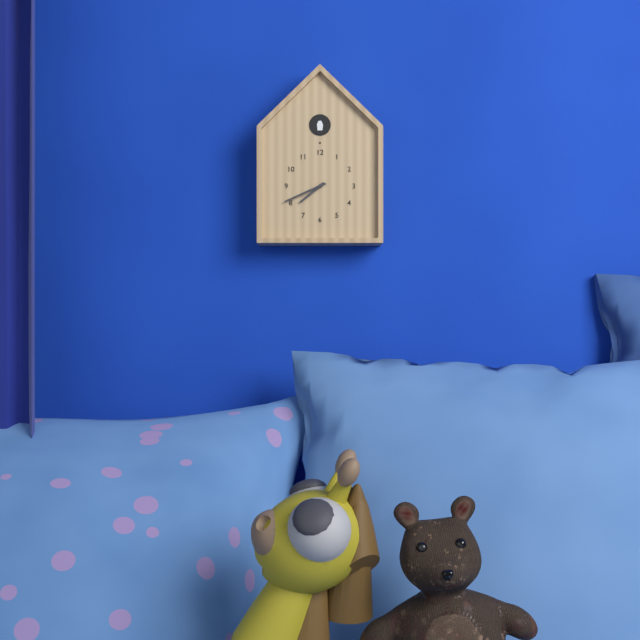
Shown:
7.41
